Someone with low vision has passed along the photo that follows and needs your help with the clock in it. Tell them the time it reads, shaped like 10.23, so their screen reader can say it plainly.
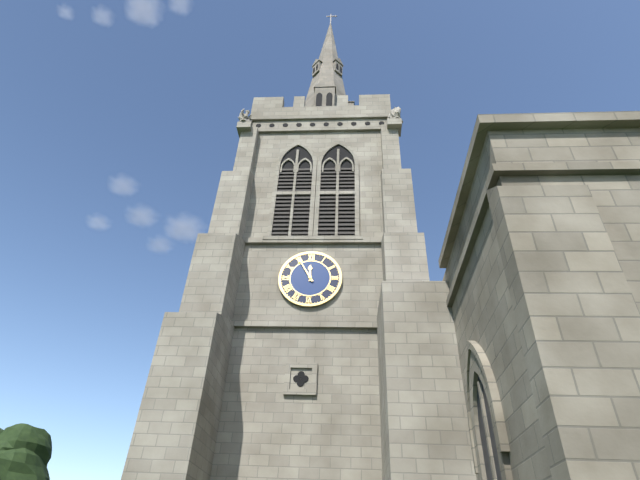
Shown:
11.55
